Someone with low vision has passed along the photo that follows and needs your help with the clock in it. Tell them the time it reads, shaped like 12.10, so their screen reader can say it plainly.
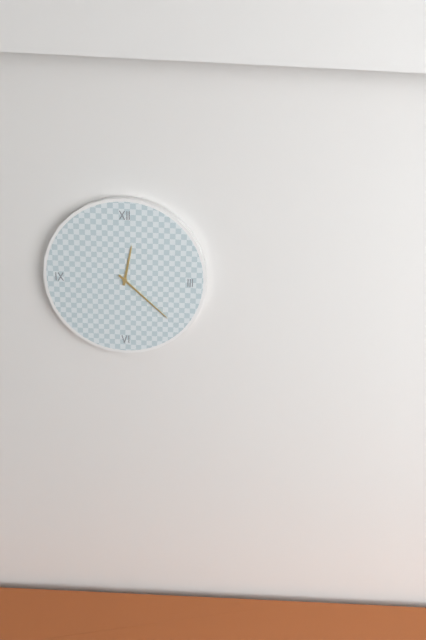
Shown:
12.22
